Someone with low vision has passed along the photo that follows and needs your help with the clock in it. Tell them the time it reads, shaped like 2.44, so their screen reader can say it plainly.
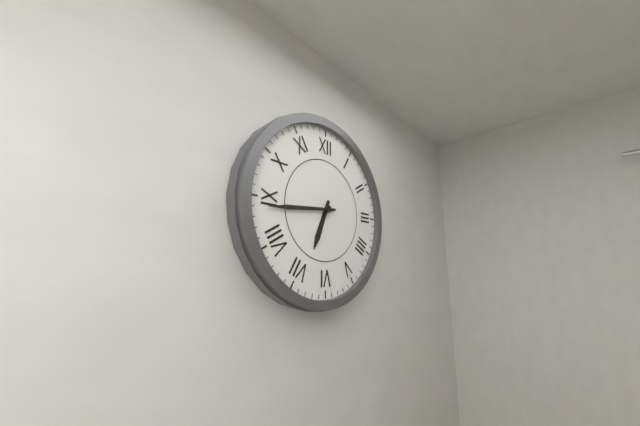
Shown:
6.44
